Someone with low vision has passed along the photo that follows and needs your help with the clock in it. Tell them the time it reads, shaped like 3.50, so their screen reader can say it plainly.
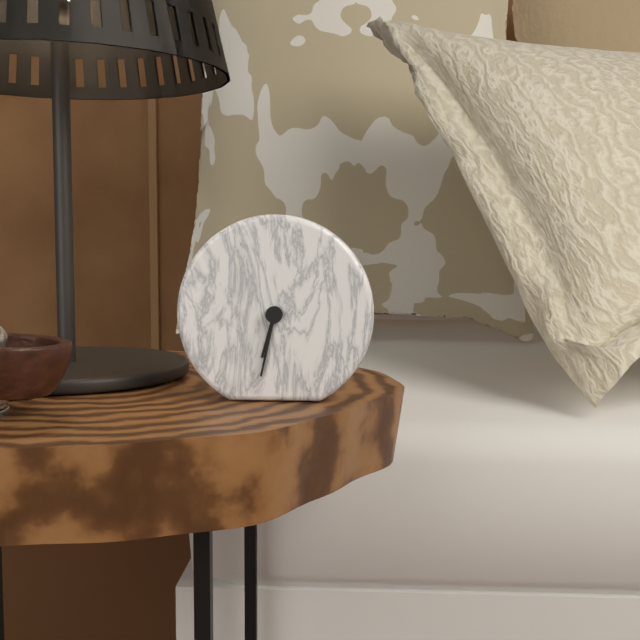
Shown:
6.32
